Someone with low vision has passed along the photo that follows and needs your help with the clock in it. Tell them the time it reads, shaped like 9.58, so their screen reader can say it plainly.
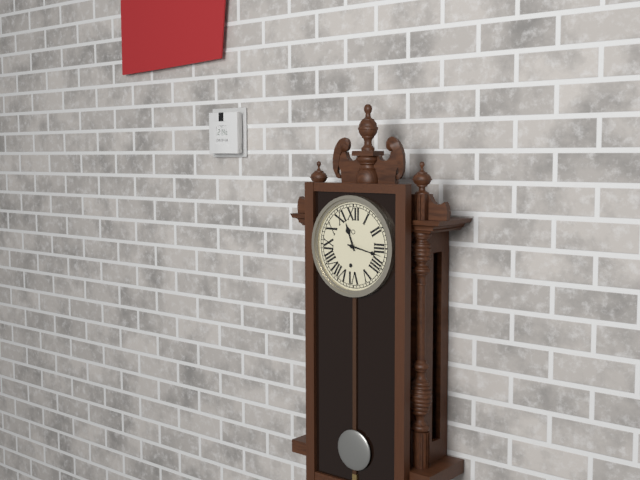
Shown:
11.17
